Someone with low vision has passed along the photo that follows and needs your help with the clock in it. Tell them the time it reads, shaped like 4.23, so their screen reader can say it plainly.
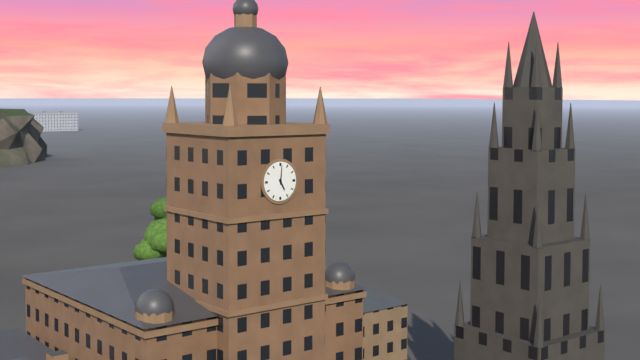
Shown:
5.01
